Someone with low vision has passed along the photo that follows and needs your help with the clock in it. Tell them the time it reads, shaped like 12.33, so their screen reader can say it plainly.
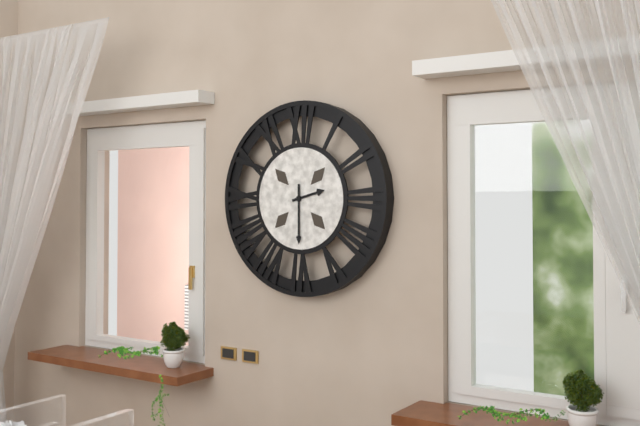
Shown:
2.30
